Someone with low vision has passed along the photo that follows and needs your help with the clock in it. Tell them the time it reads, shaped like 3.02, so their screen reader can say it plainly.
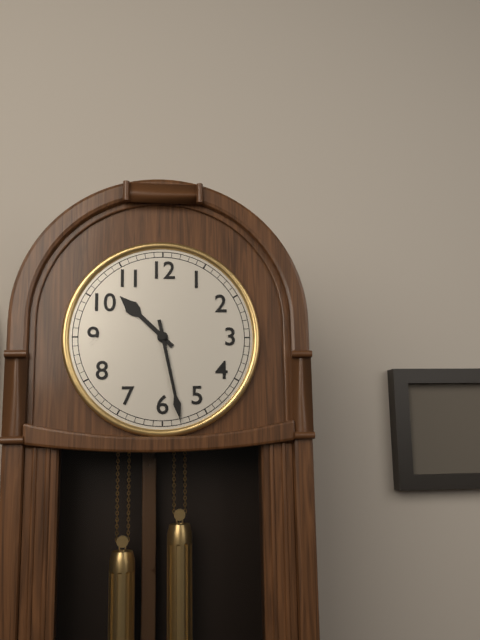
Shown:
10.28
